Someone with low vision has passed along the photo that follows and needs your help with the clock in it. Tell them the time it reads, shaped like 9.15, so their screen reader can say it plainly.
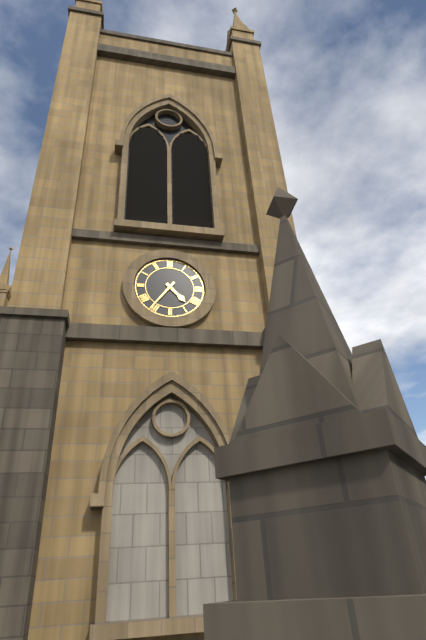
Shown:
4.36
